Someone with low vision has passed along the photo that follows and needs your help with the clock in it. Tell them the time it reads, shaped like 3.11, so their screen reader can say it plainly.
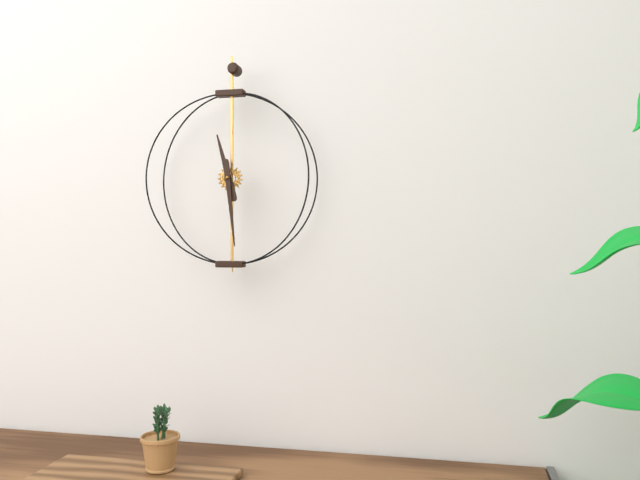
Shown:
11.29
